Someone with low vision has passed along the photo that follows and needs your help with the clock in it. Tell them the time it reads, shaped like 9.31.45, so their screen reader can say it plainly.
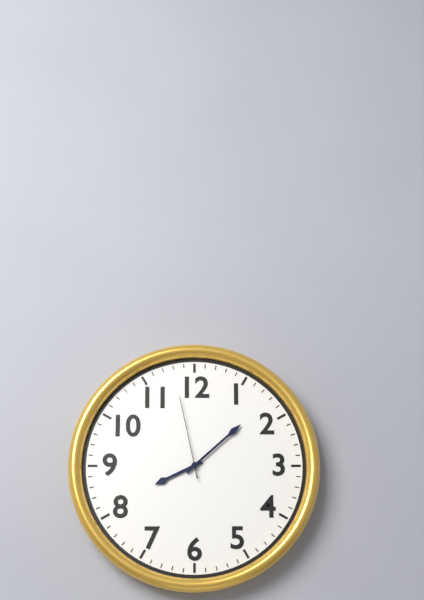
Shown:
8.08.58
